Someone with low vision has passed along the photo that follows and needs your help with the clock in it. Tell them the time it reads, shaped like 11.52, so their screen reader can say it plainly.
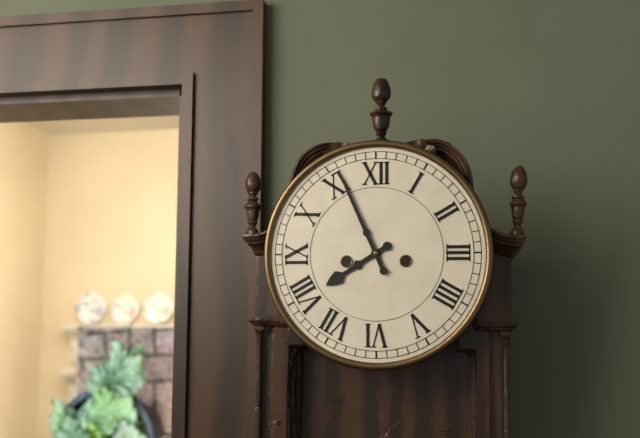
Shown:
7.56
